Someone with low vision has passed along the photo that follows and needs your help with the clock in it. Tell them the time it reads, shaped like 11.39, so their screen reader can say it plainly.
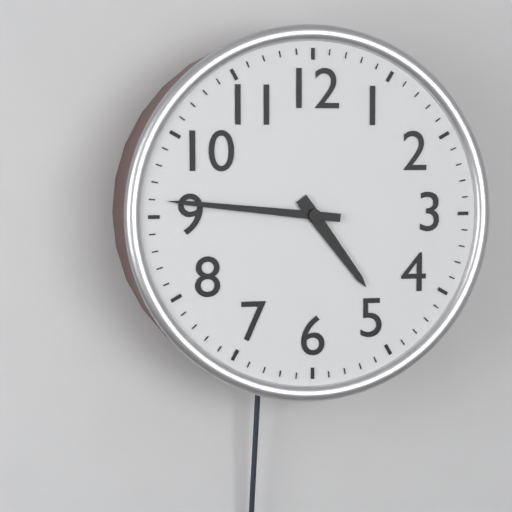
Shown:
4.46
